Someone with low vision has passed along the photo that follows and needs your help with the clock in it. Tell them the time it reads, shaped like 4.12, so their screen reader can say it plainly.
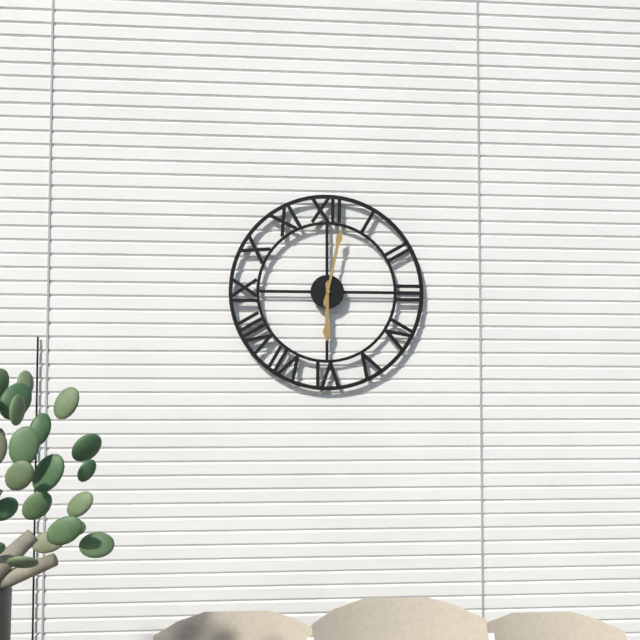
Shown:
6.02
